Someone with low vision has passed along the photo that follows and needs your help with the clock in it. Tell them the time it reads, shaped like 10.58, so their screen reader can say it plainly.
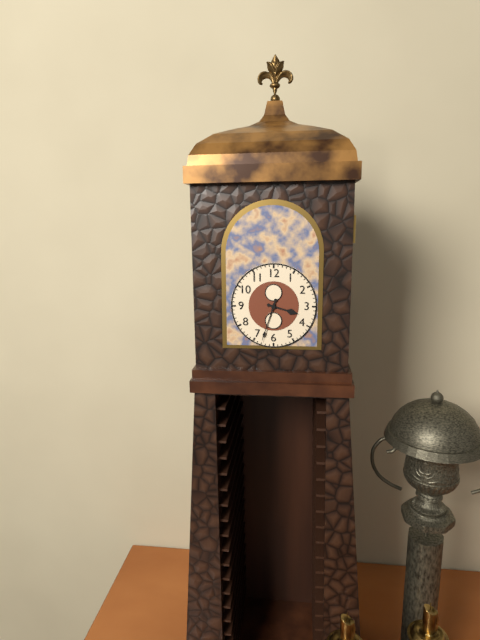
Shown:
3.33
